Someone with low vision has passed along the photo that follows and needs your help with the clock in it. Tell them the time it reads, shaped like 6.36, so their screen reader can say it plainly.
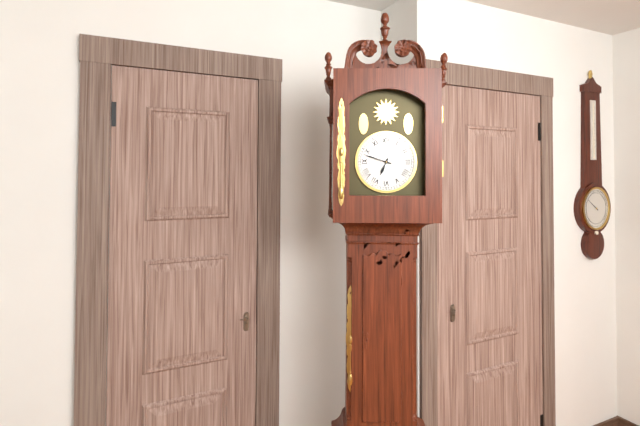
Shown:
6.48
